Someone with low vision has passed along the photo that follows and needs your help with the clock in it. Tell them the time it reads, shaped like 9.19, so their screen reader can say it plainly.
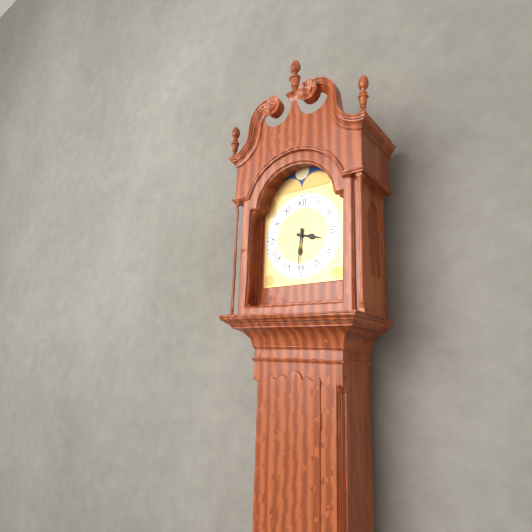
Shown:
3.31
